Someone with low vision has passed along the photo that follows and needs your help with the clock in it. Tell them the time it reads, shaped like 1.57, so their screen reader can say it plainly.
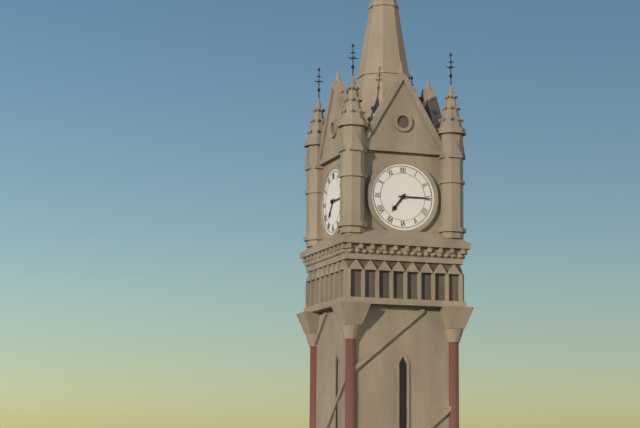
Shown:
7.15
